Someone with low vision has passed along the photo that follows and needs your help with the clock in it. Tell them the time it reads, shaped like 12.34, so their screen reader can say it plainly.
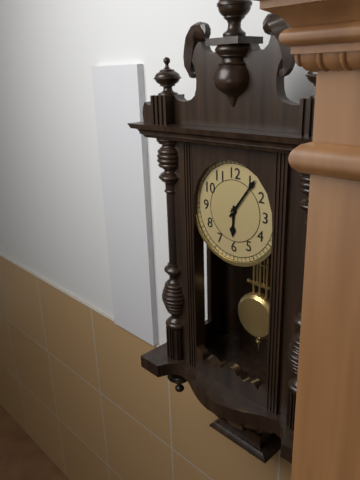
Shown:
6.06
